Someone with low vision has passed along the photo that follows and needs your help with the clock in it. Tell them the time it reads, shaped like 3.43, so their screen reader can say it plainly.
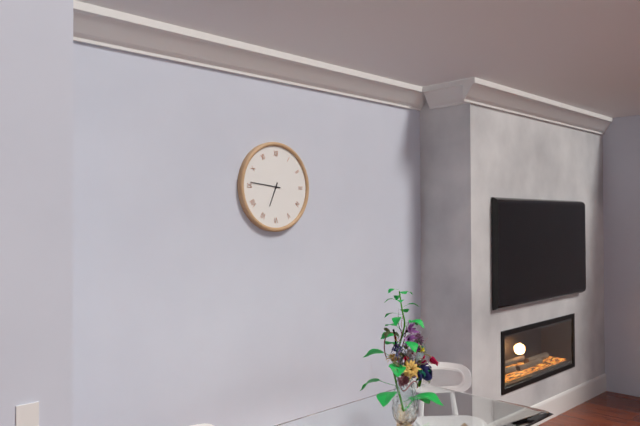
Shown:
6.46
